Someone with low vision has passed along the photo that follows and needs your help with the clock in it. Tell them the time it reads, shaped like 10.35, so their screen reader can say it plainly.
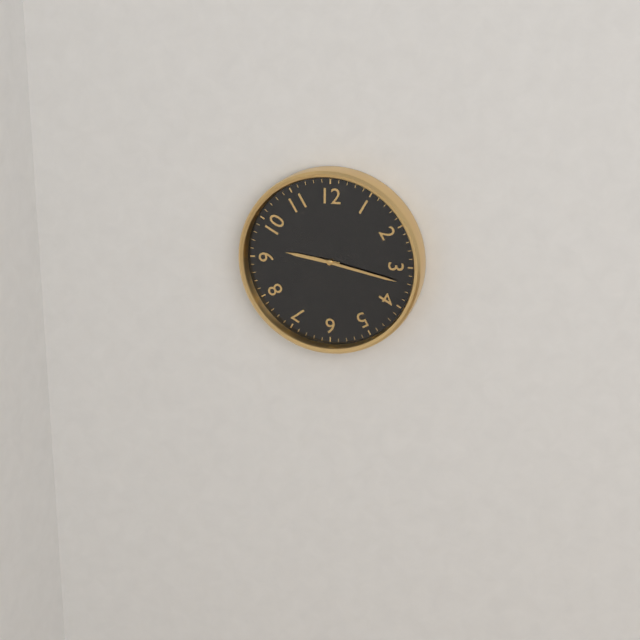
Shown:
9.17
